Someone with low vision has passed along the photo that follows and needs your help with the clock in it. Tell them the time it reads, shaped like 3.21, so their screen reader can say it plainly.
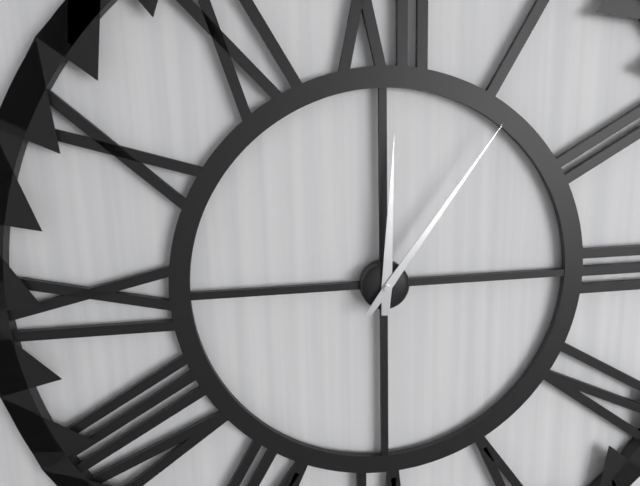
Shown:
12.06
